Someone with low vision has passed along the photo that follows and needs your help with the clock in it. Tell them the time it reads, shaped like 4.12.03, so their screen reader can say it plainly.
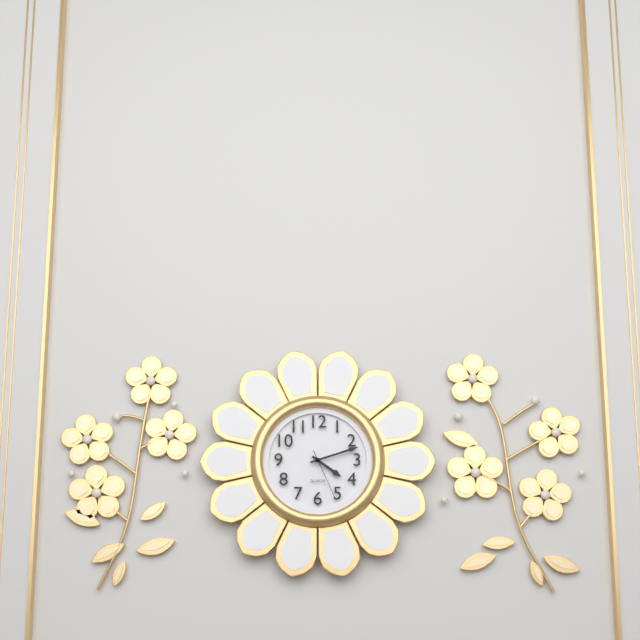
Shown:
4.12.26
